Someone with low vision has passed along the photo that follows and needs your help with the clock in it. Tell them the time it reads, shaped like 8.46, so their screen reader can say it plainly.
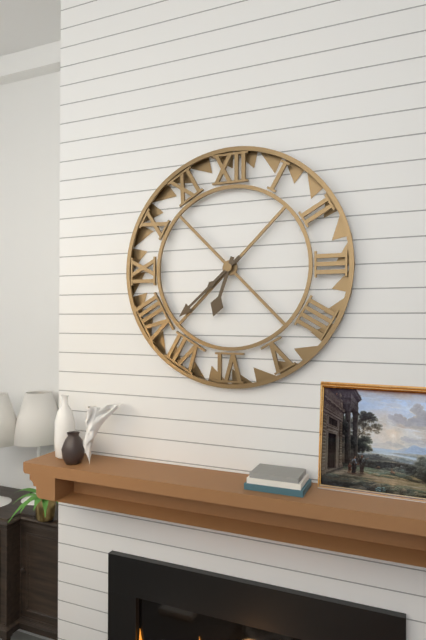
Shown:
6.38
